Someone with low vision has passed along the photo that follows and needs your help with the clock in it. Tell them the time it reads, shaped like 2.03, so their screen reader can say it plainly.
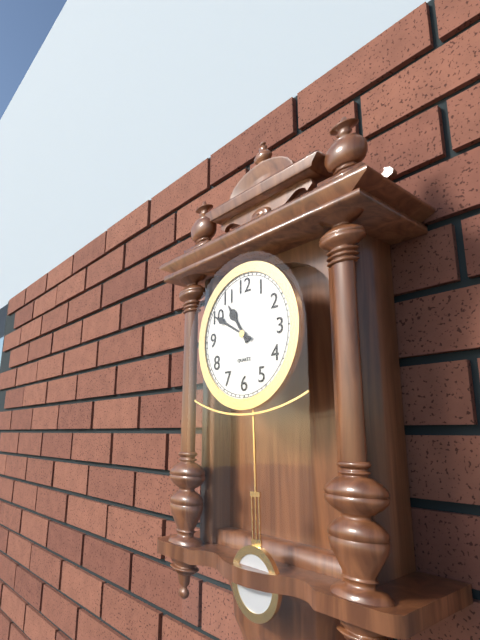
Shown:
10.50
